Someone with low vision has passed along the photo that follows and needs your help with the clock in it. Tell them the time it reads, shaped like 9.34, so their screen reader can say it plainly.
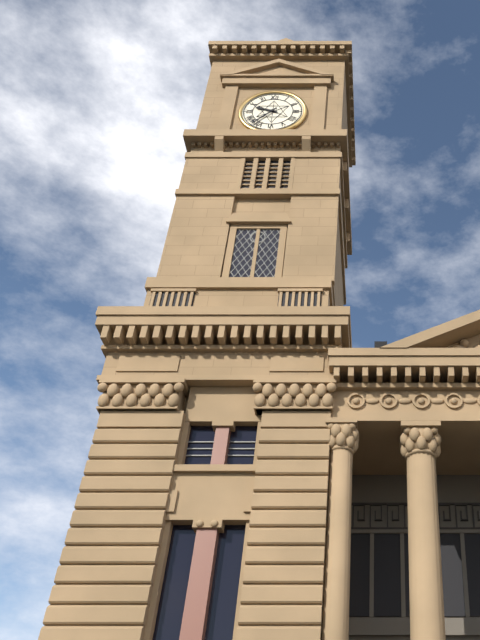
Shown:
9.37
